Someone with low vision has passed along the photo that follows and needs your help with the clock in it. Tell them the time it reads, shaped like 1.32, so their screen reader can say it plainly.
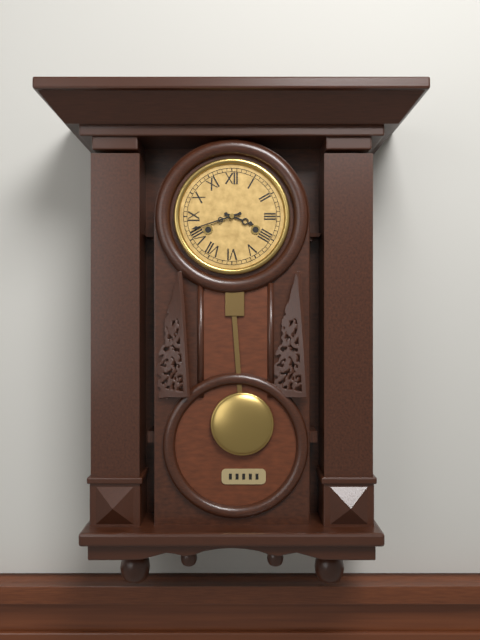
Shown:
3.42
